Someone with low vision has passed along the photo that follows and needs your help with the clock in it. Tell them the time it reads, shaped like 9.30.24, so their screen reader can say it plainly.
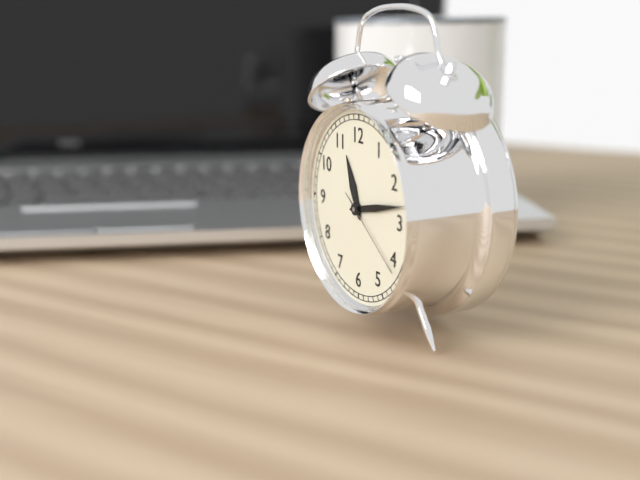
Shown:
11.13.21
